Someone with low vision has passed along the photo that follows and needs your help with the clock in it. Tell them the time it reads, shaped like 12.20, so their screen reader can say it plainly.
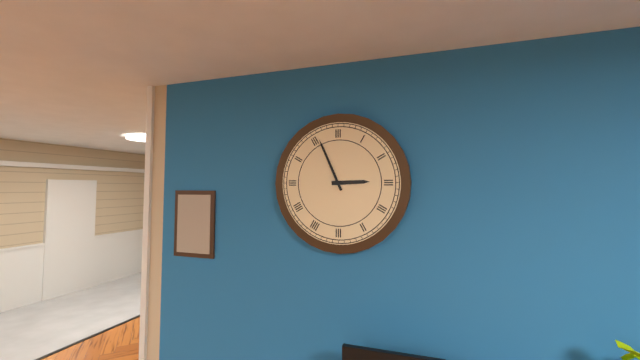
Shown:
2.56
